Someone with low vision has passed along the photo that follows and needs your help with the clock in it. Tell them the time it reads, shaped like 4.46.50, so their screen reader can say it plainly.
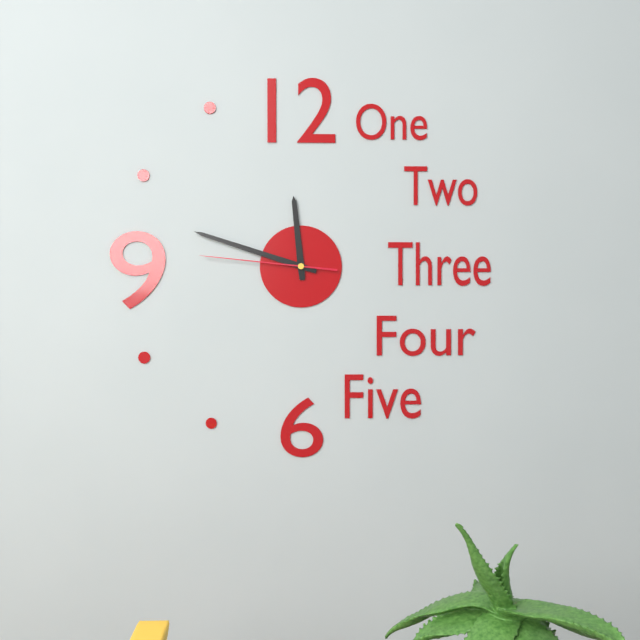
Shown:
11.48.46
